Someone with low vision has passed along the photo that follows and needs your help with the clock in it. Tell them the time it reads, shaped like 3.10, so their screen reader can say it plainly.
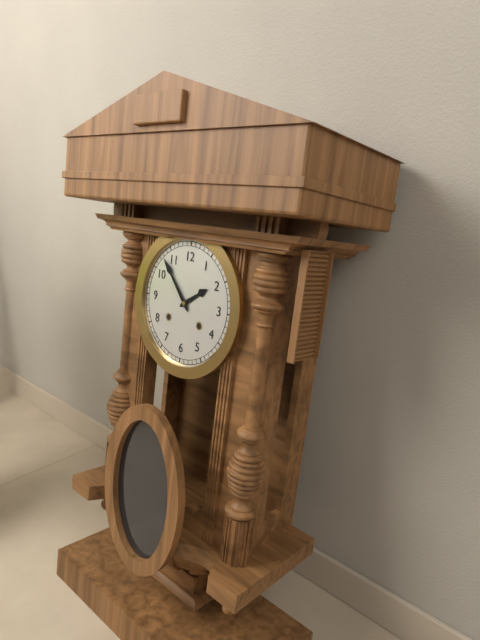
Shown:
1.53
